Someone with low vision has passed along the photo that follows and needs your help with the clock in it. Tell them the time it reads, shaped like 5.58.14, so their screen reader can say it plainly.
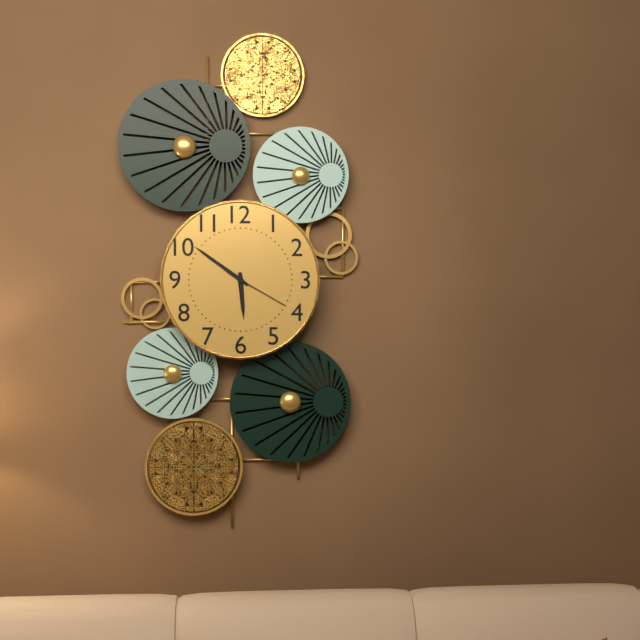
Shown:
5.51.20
